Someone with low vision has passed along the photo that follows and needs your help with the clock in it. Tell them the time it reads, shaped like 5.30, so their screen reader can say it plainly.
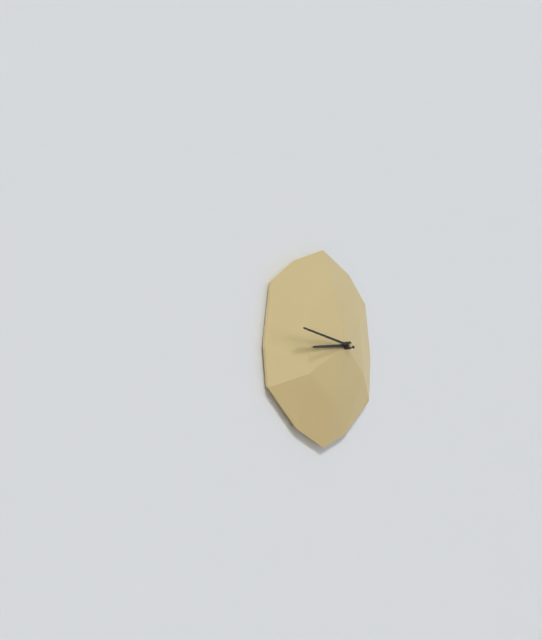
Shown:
8.46
